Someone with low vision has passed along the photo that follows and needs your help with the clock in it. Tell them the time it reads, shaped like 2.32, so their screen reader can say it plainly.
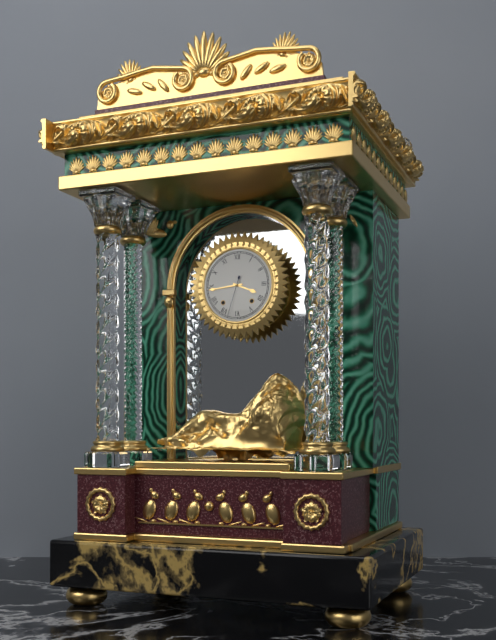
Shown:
3.44
